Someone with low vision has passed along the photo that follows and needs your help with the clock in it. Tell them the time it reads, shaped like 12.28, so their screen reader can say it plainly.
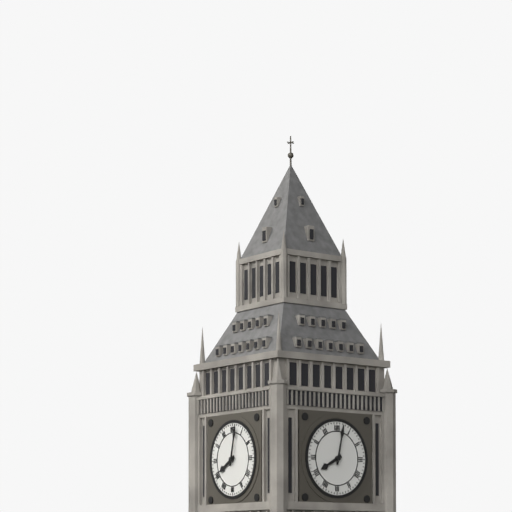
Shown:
8.02
